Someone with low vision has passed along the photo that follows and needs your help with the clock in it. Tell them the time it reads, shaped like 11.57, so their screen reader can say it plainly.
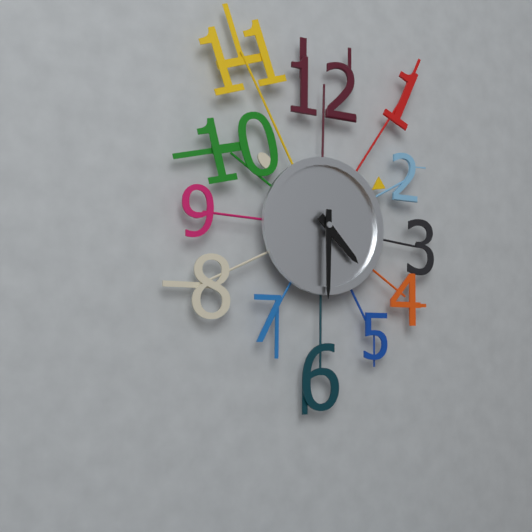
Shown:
4.30
